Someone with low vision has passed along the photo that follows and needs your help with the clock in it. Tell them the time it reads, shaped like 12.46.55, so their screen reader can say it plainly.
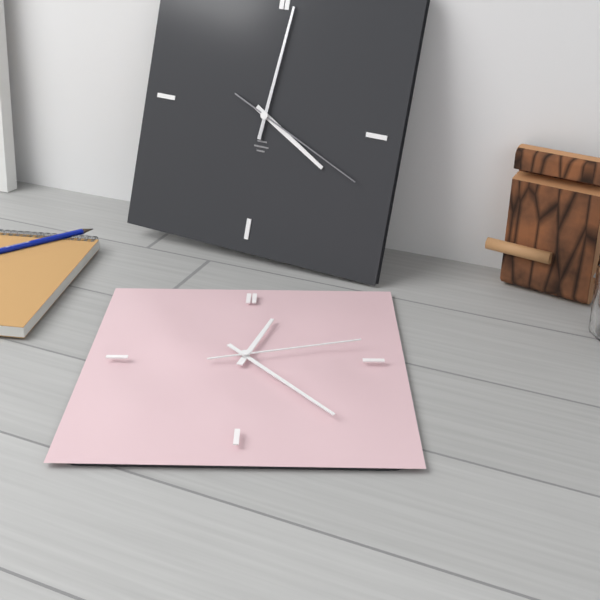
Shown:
4.01.19
